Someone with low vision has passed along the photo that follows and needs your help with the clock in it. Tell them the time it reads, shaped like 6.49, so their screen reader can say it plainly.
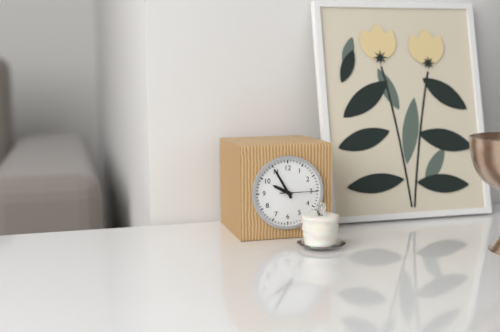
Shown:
9.55
